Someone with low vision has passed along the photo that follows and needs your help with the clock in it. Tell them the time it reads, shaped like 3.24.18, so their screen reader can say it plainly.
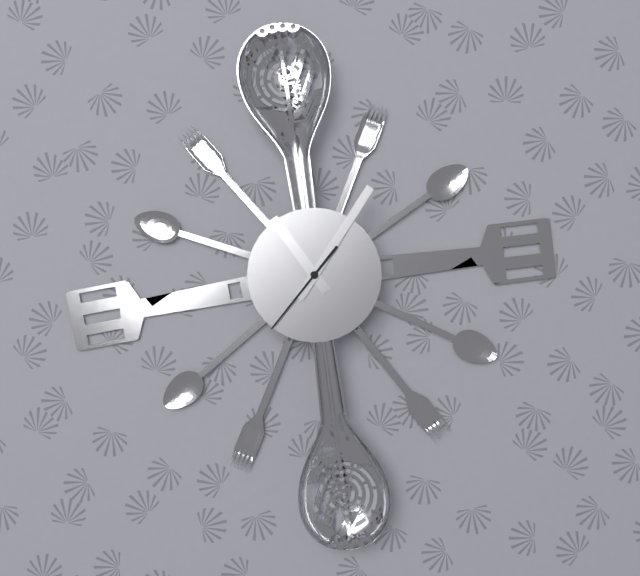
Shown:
11.07.38
